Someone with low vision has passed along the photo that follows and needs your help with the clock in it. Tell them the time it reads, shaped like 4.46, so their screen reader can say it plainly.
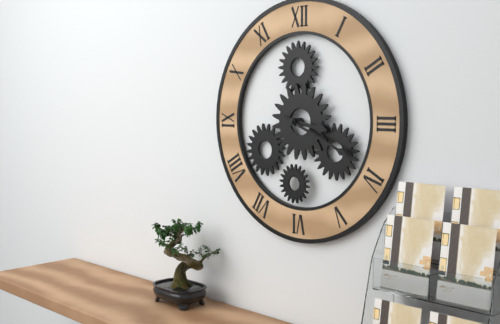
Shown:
3.19
